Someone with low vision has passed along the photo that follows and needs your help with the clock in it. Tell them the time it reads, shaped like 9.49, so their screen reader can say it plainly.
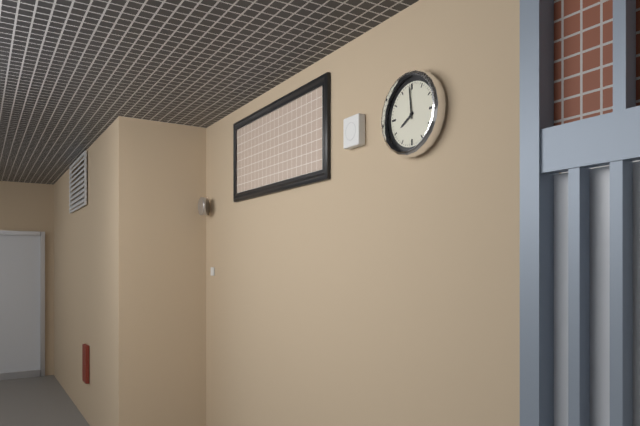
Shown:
7.59
